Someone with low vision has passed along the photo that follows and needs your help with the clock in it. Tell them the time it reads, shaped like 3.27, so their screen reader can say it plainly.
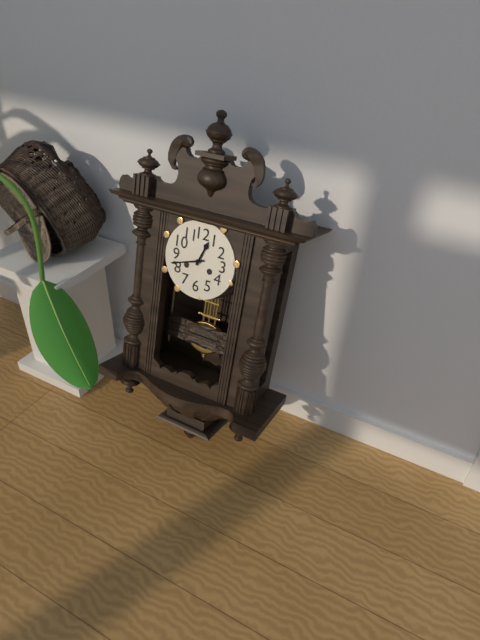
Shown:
12.42
